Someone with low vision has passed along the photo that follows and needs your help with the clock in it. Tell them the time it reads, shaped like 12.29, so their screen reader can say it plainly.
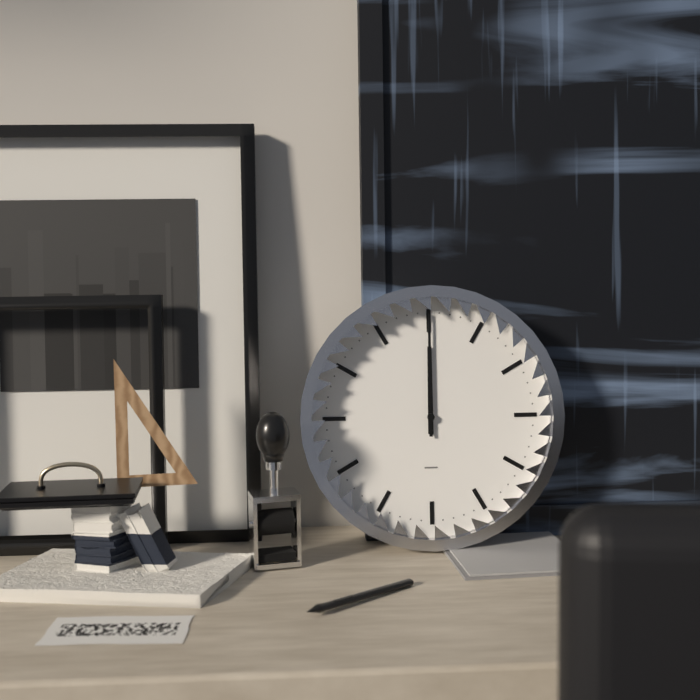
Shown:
12.00
